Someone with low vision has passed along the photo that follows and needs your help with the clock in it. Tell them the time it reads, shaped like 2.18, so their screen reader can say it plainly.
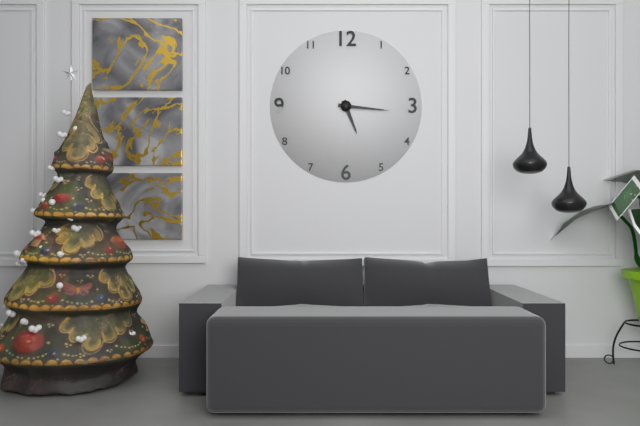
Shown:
5.16
